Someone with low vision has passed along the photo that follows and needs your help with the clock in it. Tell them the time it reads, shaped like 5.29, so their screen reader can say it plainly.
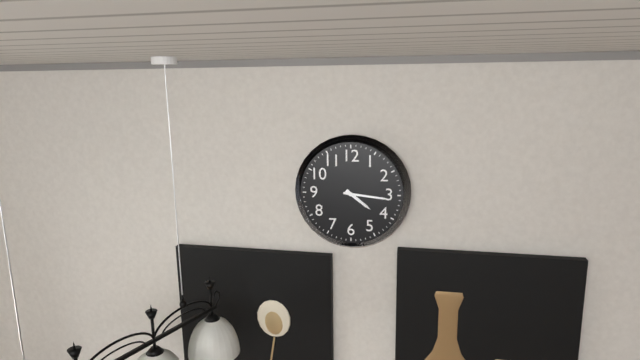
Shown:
4.16
